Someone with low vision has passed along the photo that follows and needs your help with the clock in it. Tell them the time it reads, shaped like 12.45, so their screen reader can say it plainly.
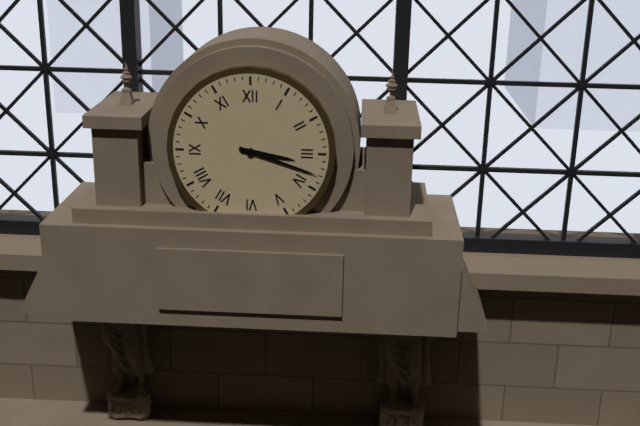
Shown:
3.18
